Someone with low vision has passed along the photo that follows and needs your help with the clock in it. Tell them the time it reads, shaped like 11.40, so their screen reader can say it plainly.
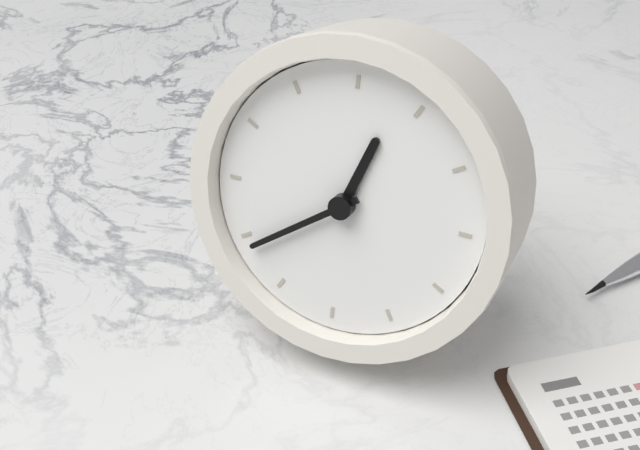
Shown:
12.39
